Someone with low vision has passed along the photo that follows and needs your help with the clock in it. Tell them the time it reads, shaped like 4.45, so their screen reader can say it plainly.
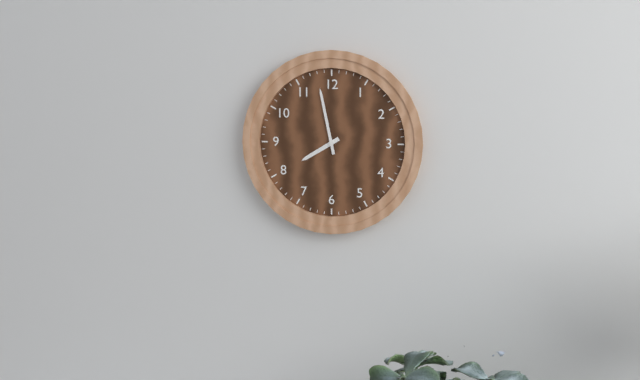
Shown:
7.58
